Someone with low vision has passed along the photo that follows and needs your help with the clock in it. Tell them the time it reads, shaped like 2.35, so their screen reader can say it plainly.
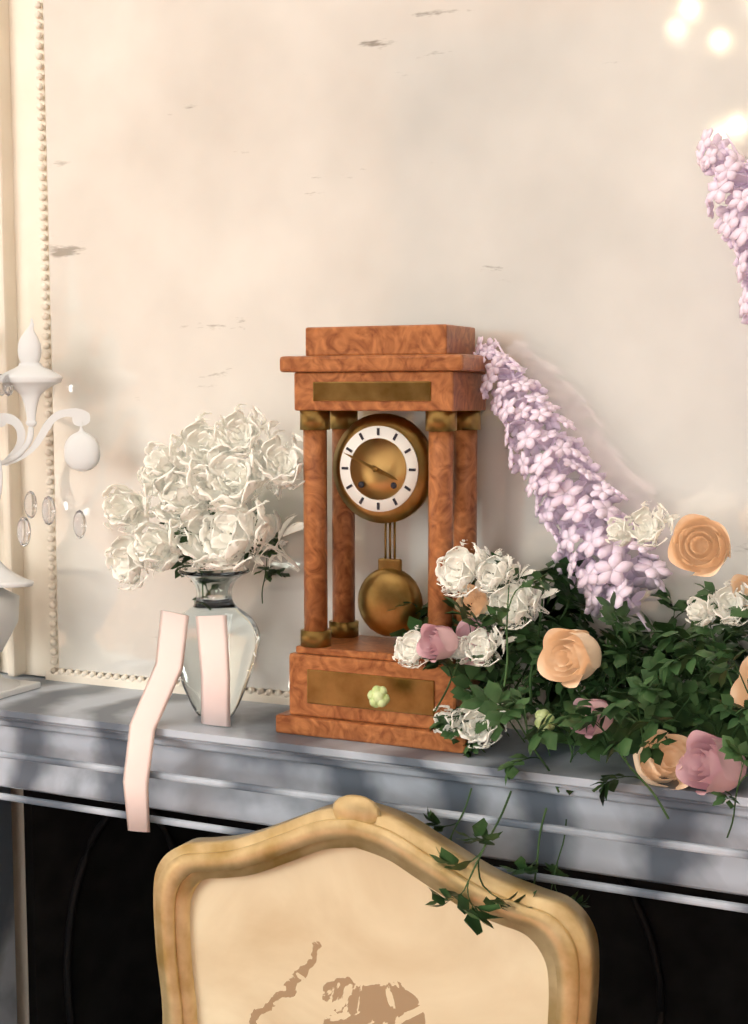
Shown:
3.49
